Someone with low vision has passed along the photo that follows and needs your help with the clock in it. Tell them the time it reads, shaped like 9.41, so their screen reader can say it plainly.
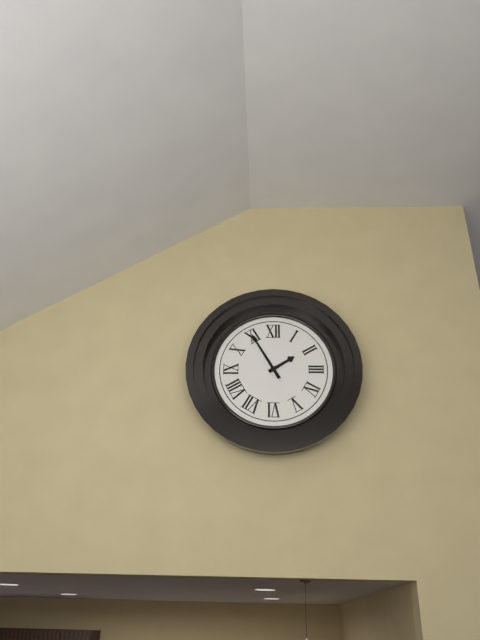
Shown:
1.55
